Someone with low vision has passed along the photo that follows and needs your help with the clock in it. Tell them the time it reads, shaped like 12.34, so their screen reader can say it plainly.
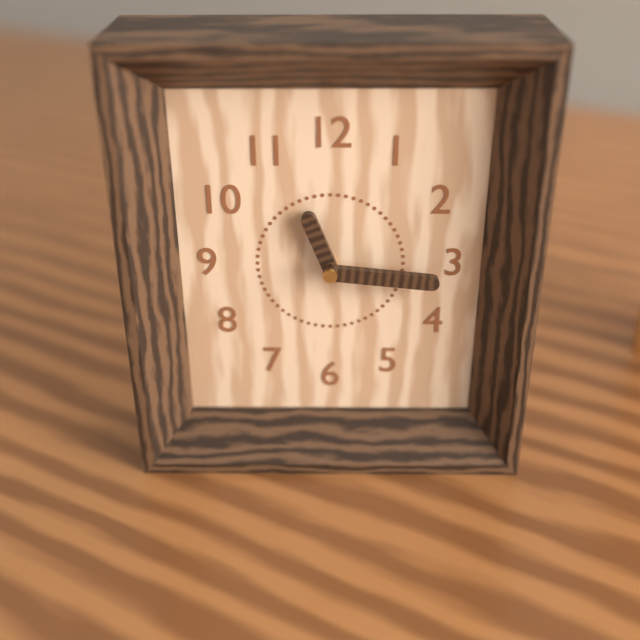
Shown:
11.16
